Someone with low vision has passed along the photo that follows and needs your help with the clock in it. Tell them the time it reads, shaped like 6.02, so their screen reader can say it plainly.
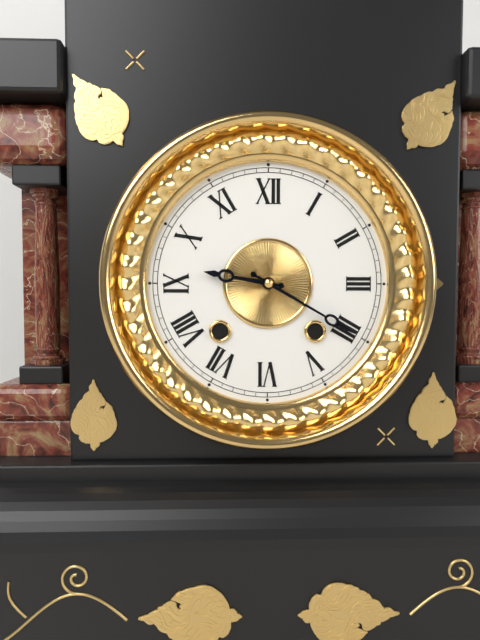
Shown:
9.20
